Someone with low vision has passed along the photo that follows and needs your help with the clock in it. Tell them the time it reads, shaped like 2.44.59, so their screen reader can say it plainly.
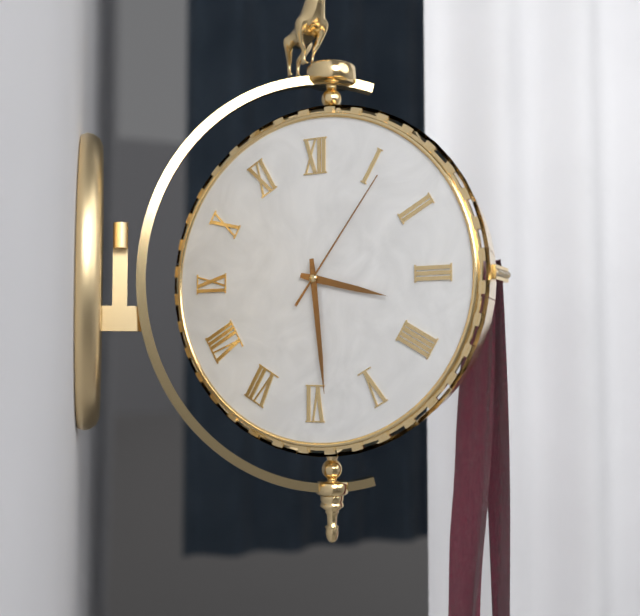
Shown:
3.29.06
